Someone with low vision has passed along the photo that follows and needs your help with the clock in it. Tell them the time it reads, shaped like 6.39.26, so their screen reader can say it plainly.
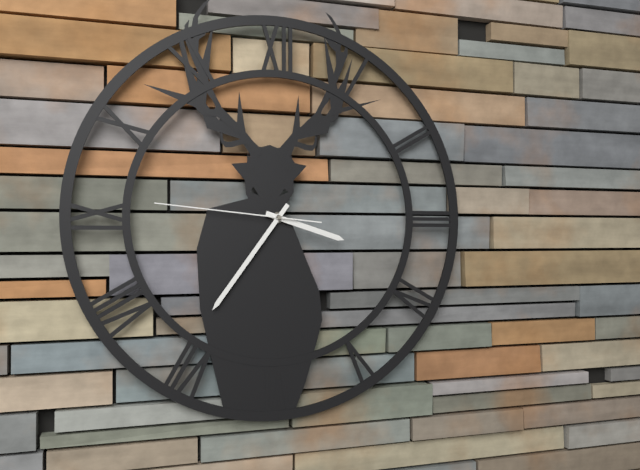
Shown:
3.36.46
